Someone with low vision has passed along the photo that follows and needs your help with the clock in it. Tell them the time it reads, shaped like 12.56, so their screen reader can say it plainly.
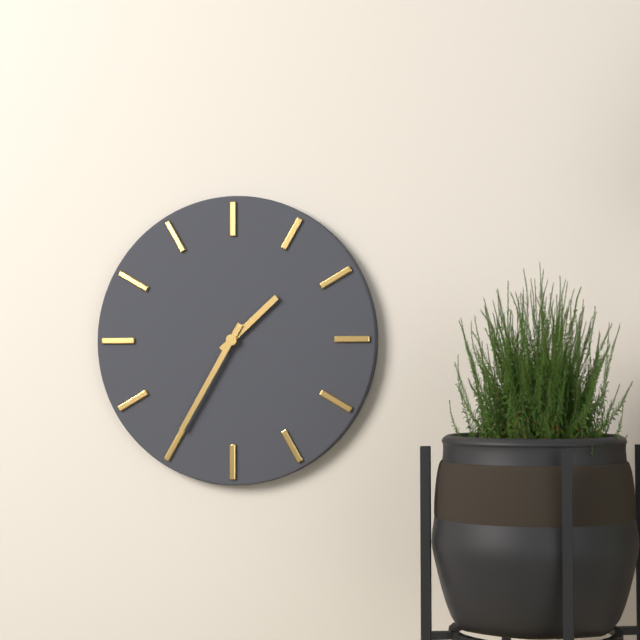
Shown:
1.35
